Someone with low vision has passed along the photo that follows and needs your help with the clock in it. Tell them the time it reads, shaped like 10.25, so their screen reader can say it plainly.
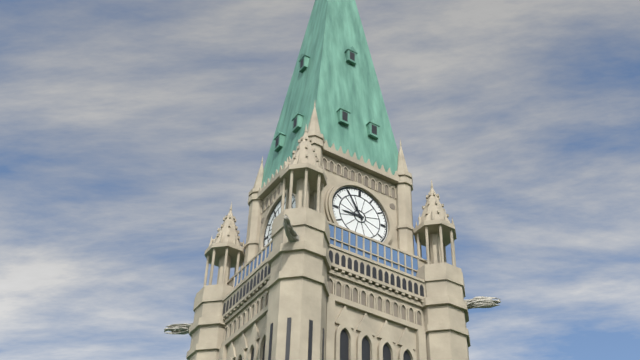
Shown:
8.55
